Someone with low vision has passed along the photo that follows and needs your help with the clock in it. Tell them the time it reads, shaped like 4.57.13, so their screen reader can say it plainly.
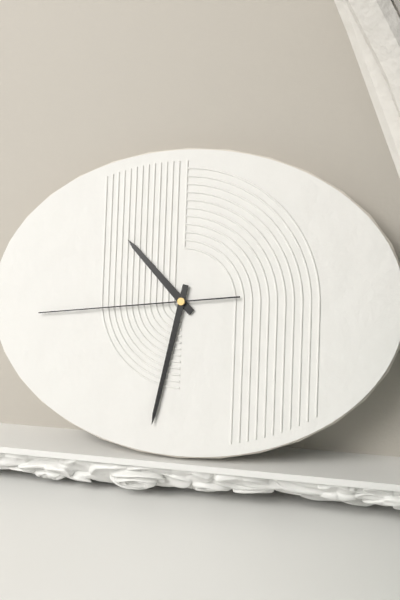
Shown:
10.32.44
